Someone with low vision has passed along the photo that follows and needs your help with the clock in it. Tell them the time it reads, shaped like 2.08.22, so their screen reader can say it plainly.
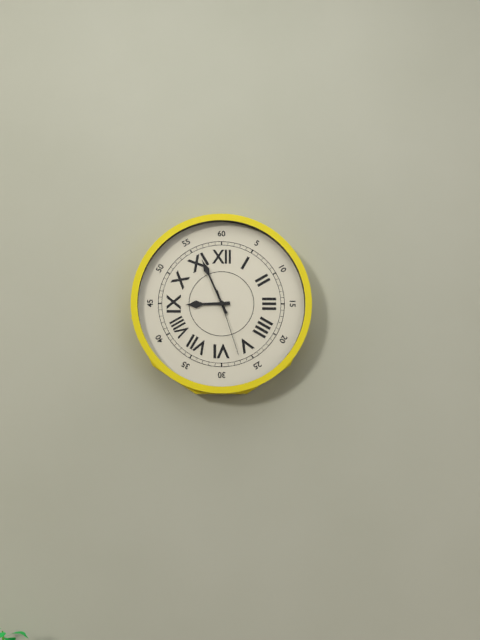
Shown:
8.56.27
